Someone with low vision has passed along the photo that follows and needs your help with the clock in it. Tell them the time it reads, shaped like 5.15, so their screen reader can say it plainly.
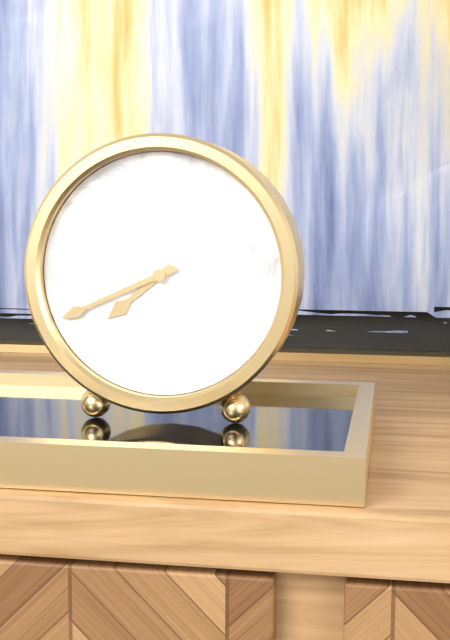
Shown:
7.41
